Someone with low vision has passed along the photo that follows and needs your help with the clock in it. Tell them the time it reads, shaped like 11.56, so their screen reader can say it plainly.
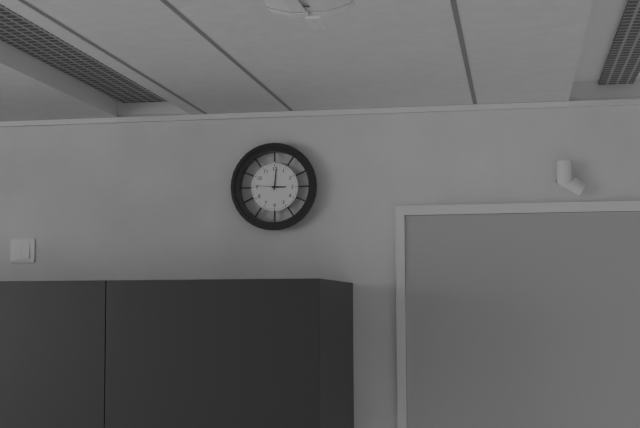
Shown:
3.01
